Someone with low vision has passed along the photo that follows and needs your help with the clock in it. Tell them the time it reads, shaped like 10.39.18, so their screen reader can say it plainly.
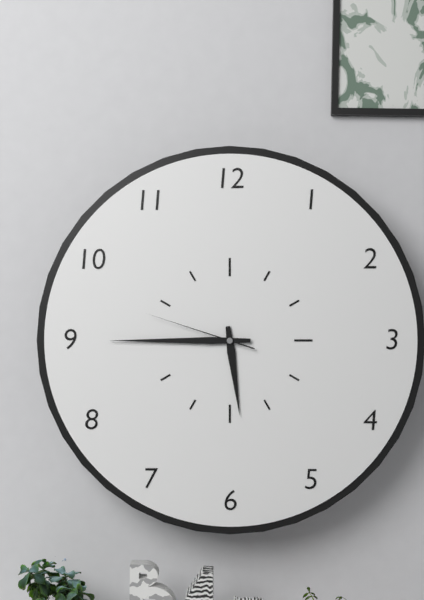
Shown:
5.45.48
